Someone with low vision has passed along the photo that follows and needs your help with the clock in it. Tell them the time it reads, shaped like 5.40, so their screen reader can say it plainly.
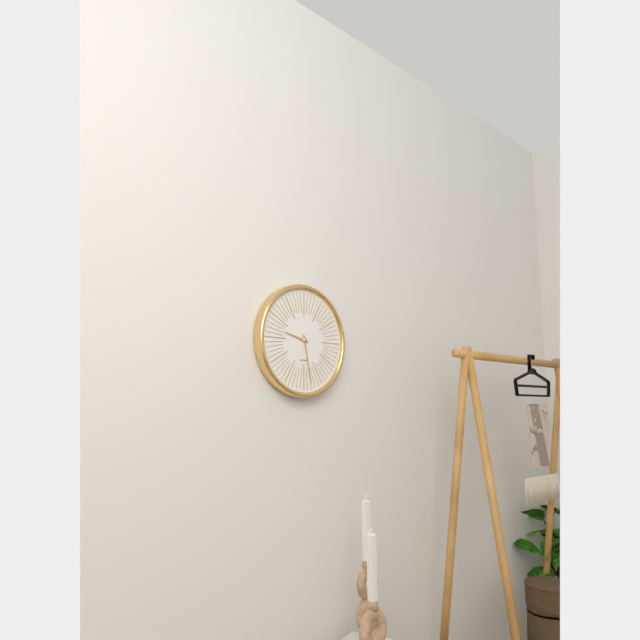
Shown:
9.28
